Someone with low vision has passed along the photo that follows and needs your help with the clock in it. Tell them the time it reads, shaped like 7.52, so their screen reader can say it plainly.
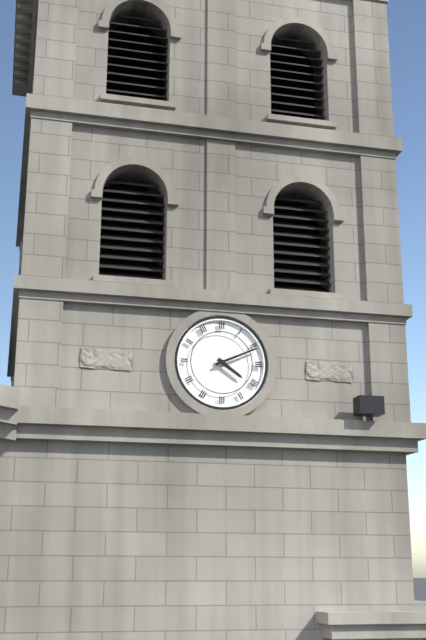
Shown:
4.11
